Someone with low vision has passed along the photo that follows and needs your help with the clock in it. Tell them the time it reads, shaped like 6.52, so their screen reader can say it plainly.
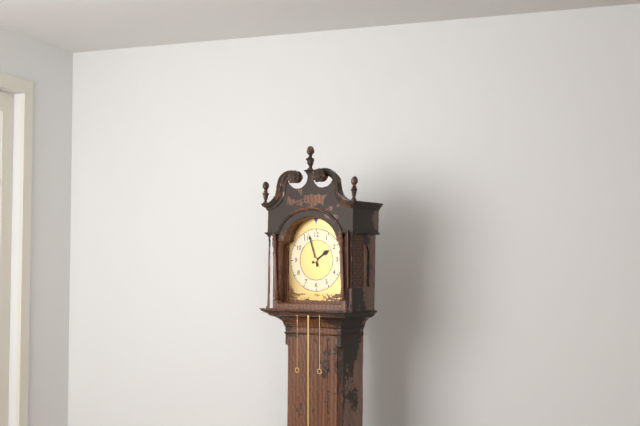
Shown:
1.57
